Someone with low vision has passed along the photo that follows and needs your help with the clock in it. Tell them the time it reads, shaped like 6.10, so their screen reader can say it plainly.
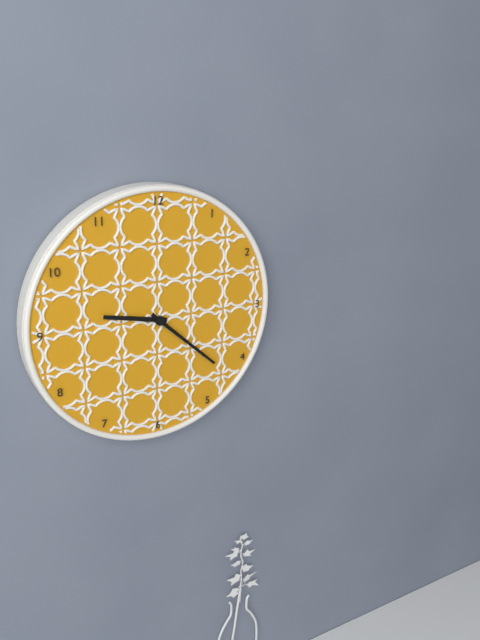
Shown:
9.22
